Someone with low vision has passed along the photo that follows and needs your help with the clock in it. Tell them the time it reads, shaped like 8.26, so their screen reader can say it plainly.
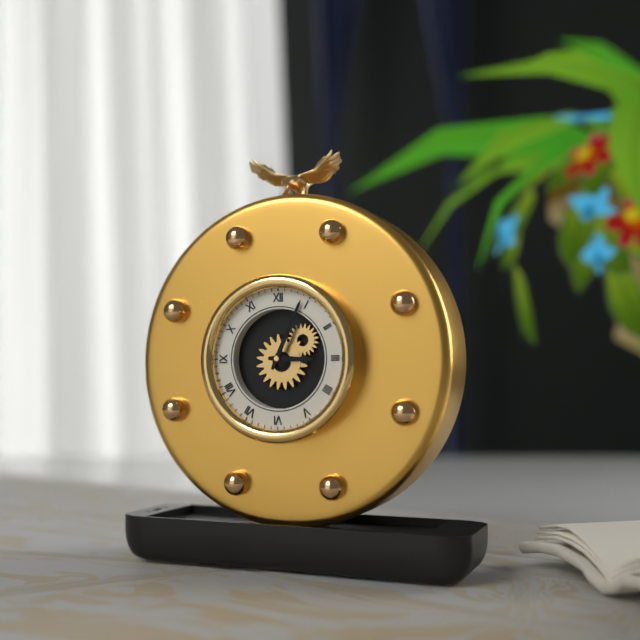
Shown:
3.04
